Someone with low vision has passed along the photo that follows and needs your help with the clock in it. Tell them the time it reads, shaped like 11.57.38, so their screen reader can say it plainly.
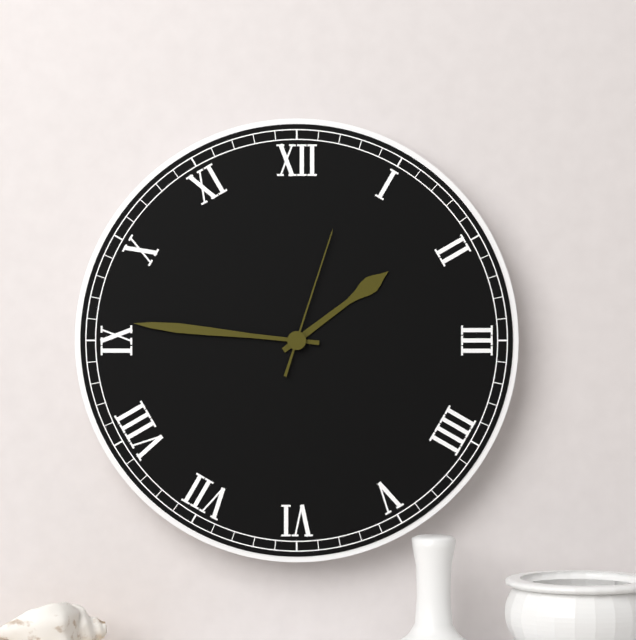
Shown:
1.46.03
